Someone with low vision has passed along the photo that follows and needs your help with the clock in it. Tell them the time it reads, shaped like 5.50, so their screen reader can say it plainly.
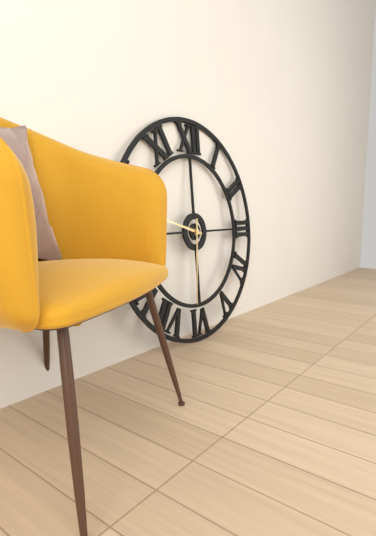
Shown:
9.31
